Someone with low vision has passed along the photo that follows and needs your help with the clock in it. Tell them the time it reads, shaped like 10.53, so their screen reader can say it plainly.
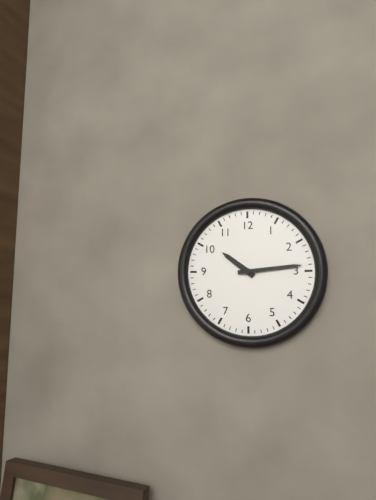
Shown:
10.14
